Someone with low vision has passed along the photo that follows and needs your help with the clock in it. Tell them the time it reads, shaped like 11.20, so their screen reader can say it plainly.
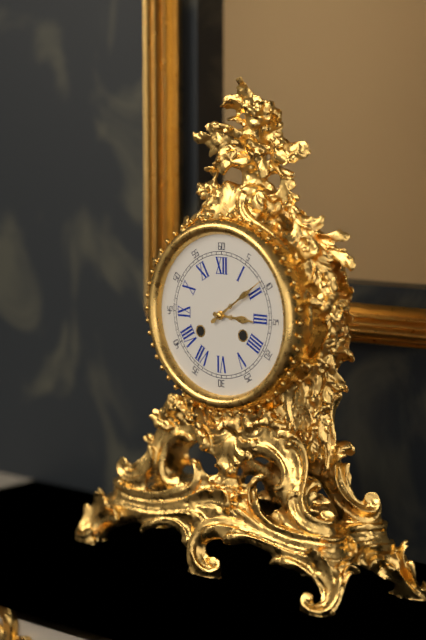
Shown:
3.09
